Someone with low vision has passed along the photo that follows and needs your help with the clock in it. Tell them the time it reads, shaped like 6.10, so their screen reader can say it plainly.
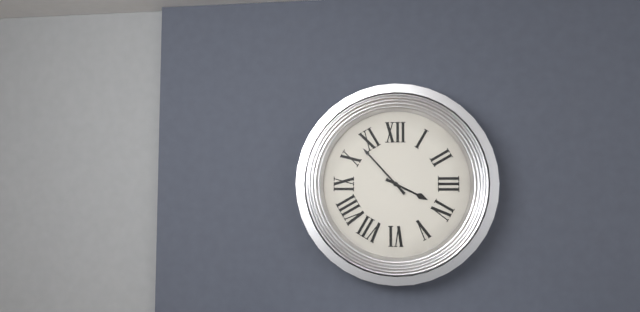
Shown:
3.53
